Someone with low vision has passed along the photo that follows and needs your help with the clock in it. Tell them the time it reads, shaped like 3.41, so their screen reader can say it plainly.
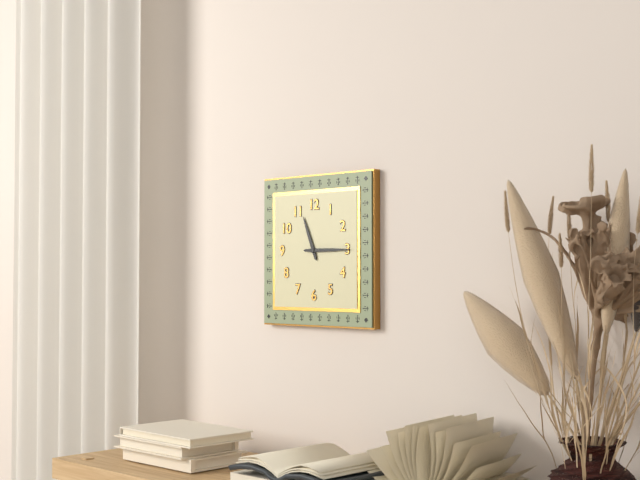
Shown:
11.15
